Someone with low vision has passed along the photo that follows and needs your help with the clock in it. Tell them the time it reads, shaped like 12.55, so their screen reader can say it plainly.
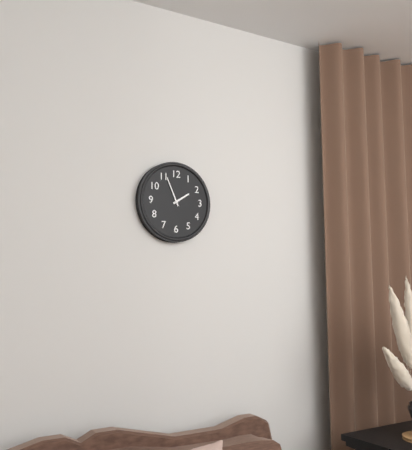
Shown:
1.56
